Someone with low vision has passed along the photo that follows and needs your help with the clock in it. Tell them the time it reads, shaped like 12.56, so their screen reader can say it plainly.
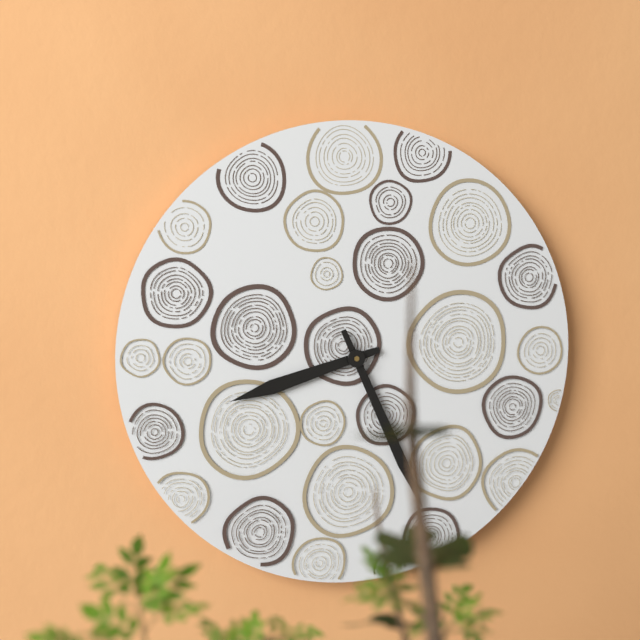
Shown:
8.26
